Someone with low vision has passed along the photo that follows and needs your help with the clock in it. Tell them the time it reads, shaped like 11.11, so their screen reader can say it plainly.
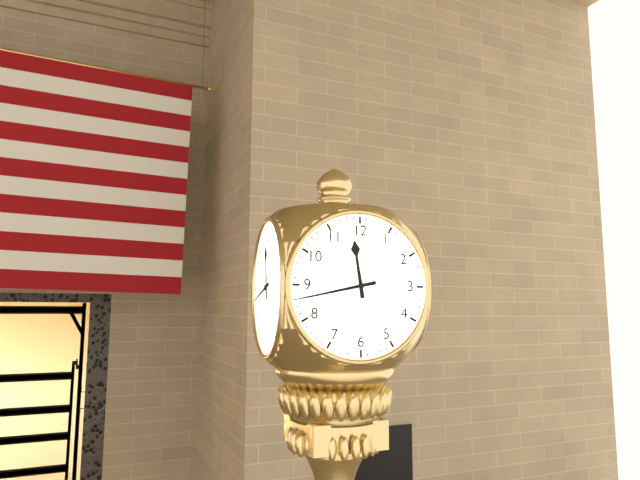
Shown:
11.43
